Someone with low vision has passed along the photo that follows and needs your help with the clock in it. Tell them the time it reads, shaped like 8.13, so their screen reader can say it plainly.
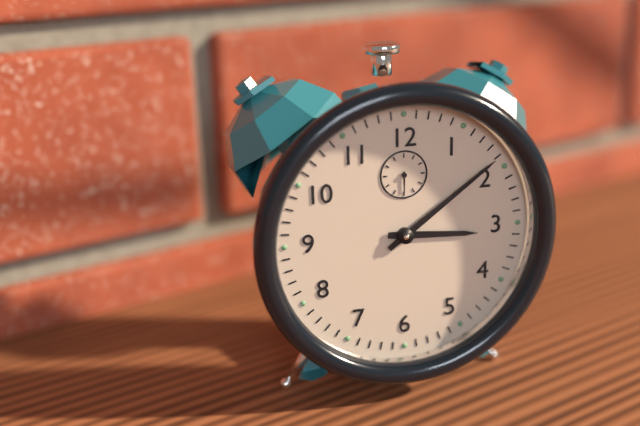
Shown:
3.09
